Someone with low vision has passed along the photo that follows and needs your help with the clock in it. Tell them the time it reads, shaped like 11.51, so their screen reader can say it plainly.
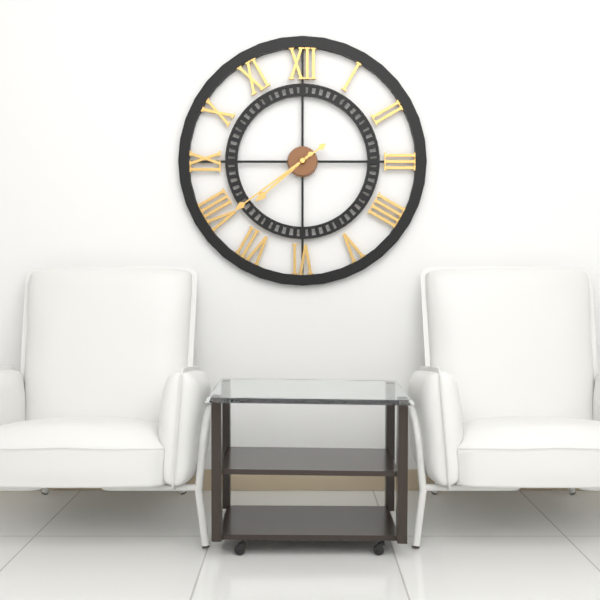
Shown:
7.39
